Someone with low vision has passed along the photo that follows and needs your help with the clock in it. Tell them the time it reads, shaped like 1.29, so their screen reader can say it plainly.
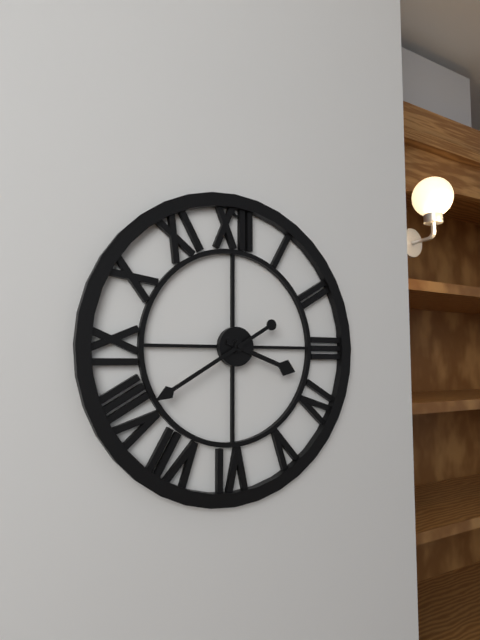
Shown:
3.40
